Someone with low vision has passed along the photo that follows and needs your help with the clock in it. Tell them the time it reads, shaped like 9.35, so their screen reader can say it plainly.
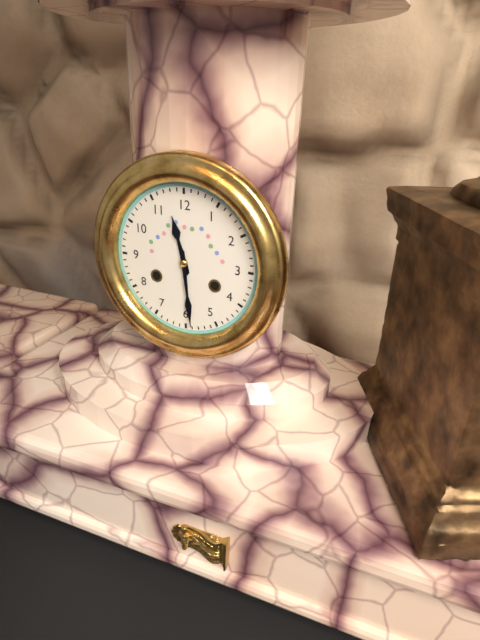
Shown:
11.29
